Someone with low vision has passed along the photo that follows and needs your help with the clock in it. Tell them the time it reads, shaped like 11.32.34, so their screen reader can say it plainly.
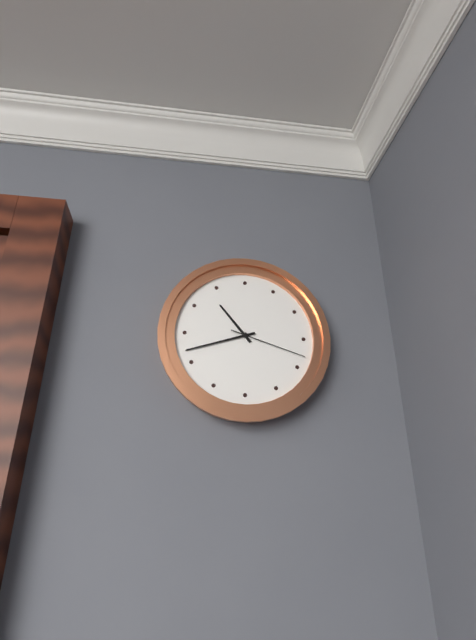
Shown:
10.42.18
